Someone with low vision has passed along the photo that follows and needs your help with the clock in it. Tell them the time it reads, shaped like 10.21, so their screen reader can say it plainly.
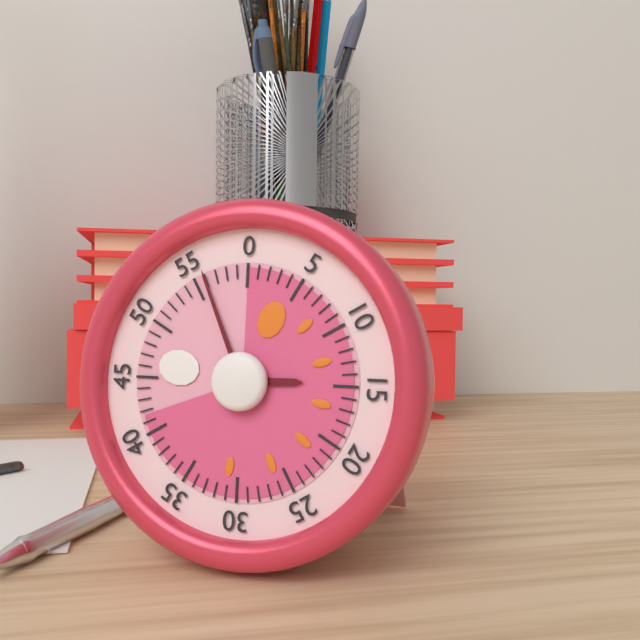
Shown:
2.56
